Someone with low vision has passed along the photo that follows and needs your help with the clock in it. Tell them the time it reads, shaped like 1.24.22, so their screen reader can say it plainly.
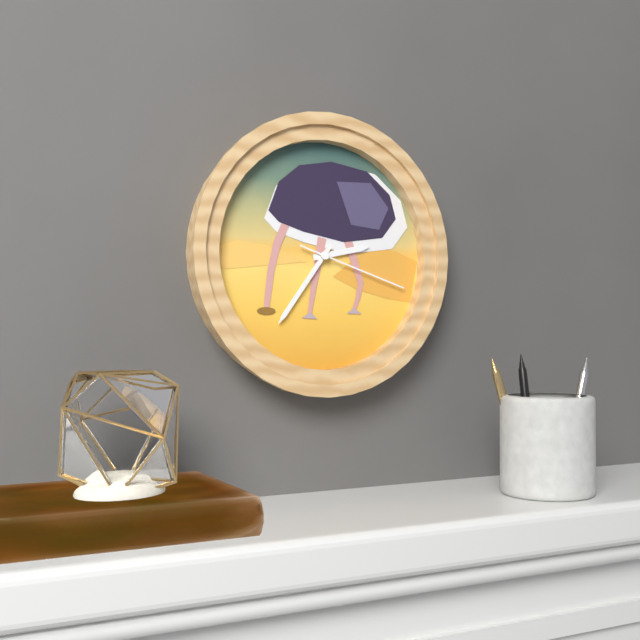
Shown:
2.36.18
